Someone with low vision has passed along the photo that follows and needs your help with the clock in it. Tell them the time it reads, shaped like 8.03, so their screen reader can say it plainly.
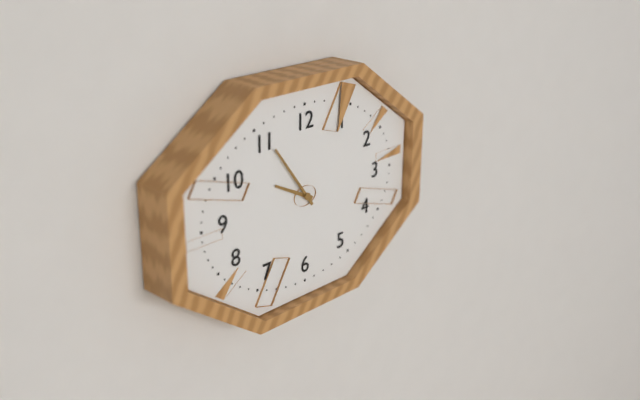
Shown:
9.54
